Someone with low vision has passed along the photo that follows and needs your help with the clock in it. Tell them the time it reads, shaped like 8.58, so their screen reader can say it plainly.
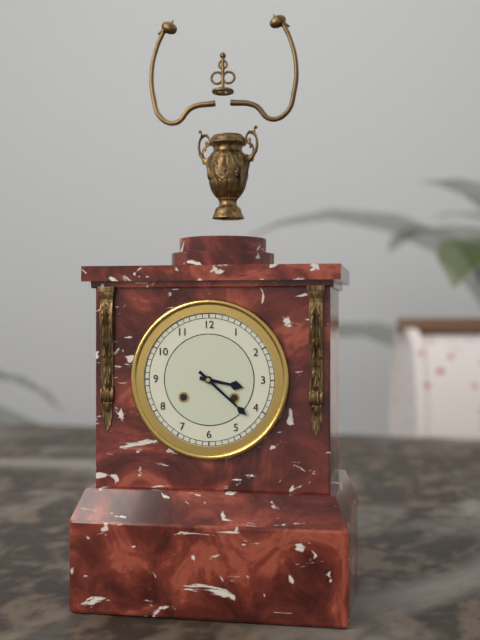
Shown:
3.22
